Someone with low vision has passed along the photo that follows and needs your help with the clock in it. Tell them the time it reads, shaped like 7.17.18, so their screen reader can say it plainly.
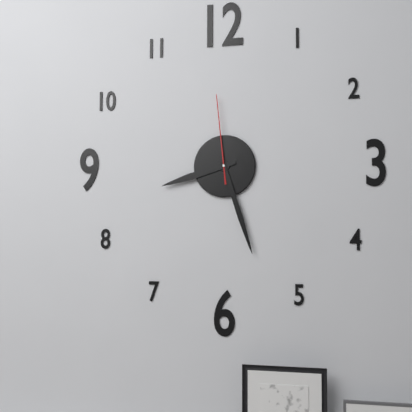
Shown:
8.27.59
